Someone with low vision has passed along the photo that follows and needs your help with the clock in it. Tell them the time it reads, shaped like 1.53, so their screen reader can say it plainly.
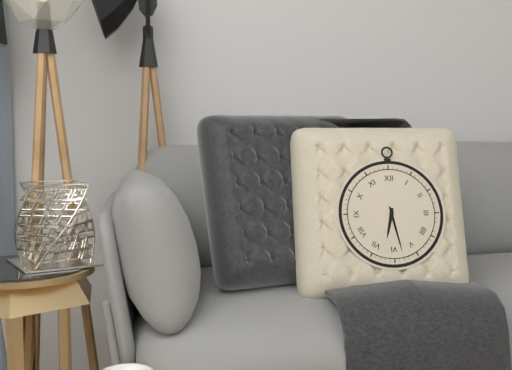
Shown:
6.28
